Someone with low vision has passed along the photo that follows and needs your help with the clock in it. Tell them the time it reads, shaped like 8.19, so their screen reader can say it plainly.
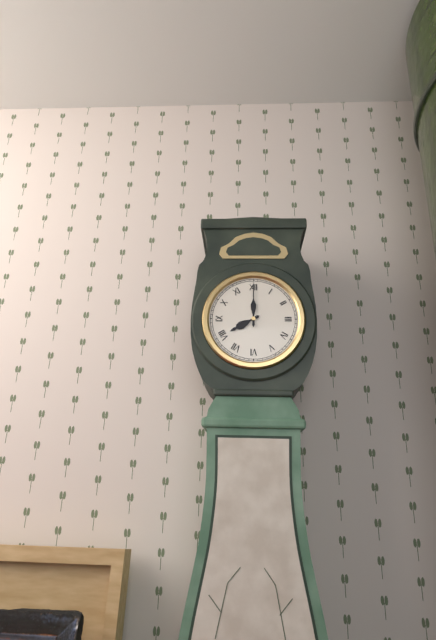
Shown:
8.00
